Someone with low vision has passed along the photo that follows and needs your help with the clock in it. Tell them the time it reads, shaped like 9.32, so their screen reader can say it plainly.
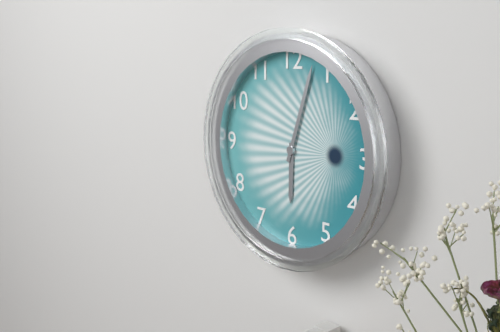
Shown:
6.03
